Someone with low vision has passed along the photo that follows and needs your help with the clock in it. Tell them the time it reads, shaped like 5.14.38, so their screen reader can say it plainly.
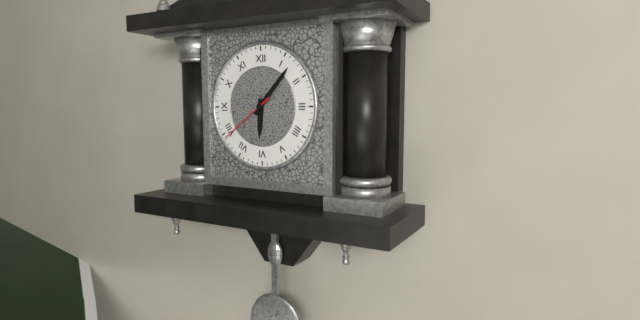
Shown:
6.07.39
